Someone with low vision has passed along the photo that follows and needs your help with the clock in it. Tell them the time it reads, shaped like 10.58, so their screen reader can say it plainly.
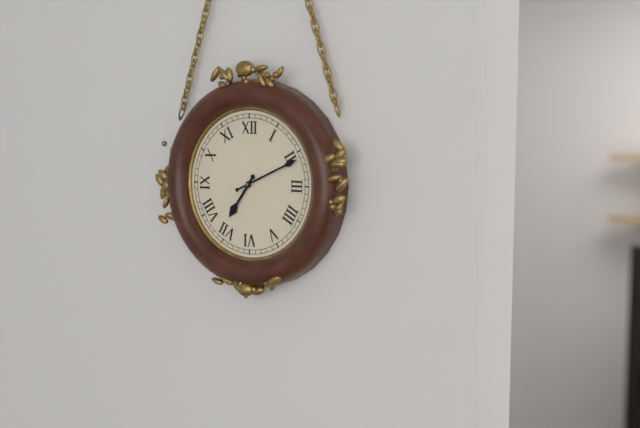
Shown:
7.11
